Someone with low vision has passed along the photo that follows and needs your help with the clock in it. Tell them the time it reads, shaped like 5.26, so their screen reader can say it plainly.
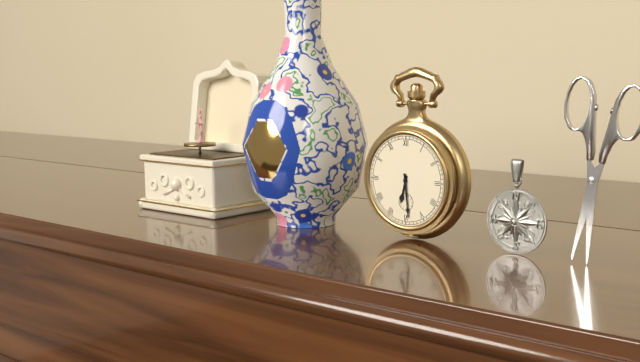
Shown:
6.29
